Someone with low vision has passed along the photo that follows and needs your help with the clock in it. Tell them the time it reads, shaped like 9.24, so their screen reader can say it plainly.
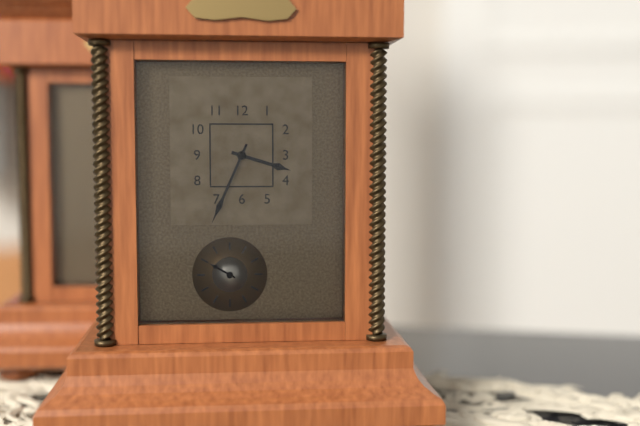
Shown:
3.34
